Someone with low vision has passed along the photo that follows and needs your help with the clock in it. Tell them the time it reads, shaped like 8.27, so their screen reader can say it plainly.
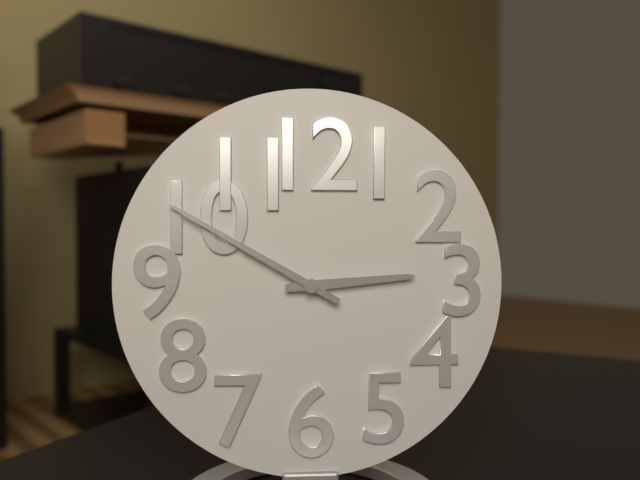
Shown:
2.50
